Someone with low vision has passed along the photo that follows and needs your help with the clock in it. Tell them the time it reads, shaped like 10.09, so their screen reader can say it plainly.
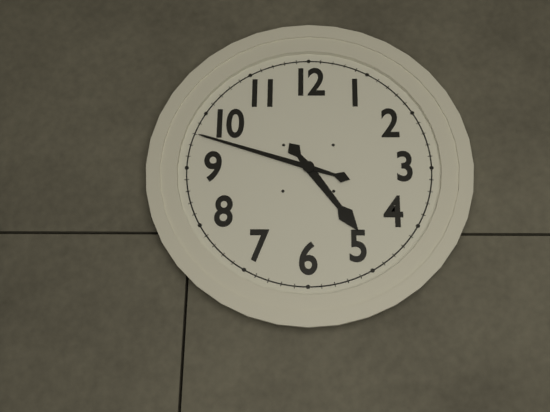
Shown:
4.48
